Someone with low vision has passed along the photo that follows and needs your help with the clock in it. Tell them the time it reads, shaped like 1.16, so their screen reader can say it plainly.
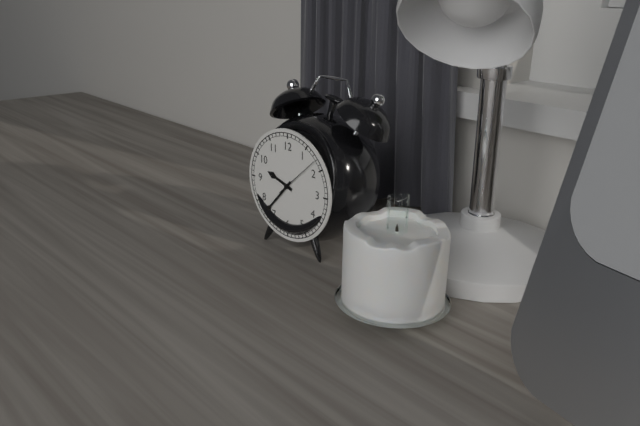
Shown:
9.37
